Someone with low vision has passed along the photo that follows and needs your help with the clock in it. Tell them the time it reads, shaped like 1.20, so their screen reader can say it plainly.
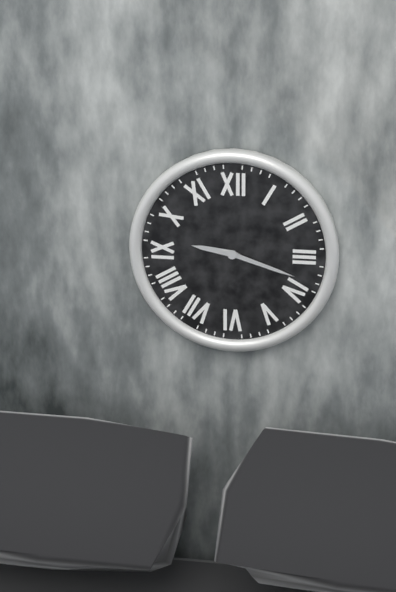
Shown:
9.18
